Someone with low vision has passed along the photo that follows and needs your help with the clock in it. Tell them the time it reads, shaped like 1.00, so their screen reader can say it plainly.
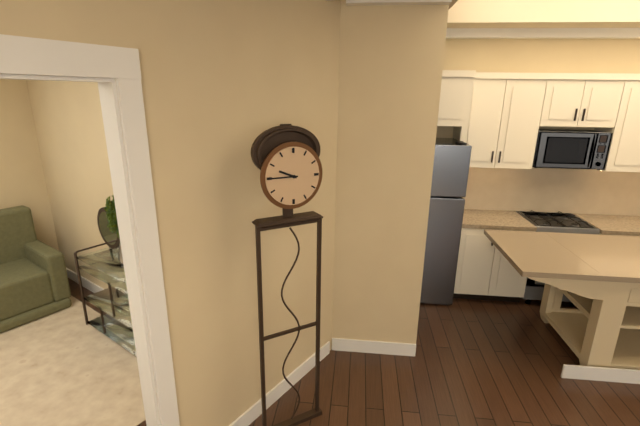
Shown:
9.45
